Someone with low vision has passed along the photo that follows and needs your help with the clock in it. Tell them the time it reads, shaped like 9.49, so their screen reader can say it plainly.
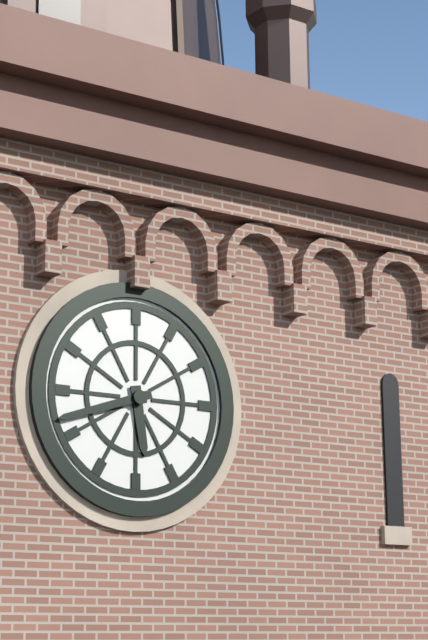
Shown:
5.42
